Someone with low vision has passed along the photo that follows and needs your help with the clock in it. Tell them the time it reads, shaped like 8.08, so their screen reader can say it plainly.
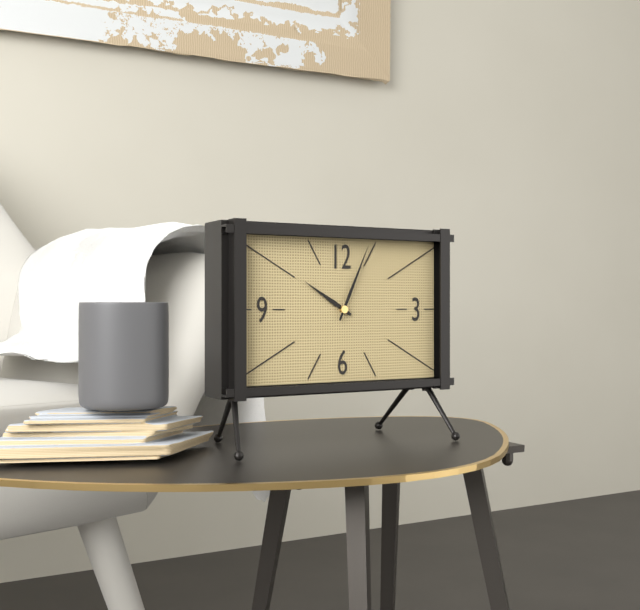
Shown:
10.04
